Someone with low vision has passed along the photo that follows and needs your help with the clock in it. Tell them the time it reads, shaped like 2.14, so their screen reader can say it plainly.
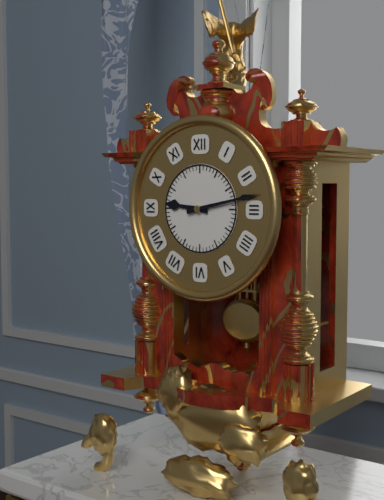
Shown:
9.13
